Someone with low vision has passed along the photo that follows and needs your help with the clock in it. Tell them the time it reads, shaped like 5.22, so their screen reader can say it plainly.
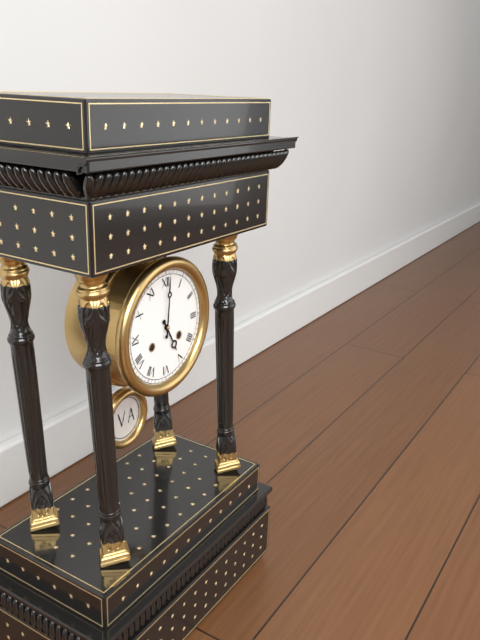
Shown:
5.01
